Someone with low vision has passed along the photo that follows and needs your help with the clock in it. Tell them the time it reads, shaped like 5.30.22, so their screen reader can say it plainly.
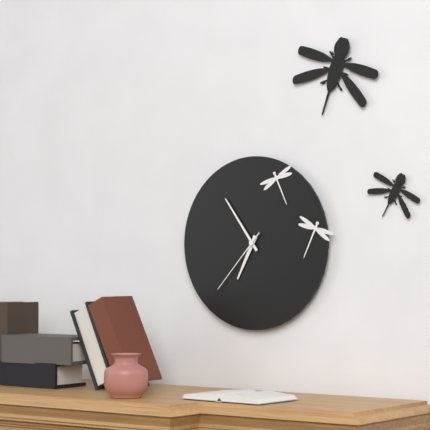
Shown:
6.54.37
